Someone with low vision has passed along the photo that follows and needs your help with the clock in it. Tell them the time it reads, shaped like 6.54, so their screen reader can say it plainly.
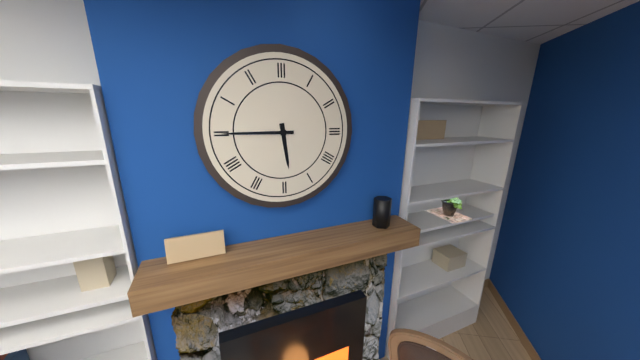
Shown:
5.45
